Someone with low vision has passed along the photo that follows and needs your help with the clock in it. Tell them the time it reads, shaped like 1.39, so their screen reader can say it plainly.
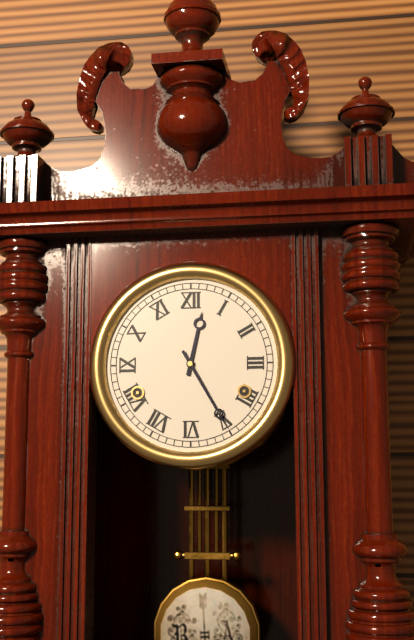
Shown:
12.25
